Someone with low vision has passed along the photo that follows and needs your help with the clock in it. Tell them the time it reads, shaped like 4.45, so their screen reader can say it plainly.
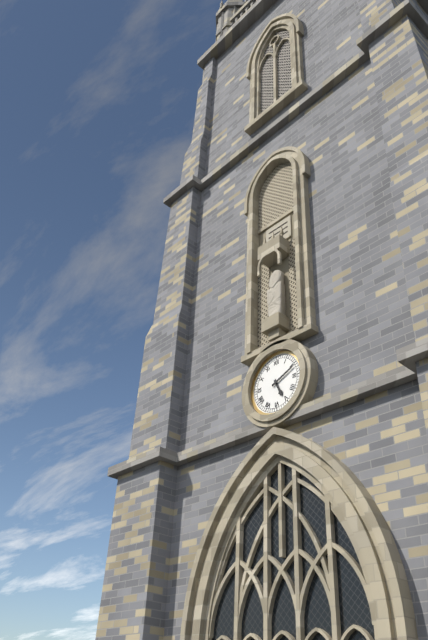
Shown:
5.11
